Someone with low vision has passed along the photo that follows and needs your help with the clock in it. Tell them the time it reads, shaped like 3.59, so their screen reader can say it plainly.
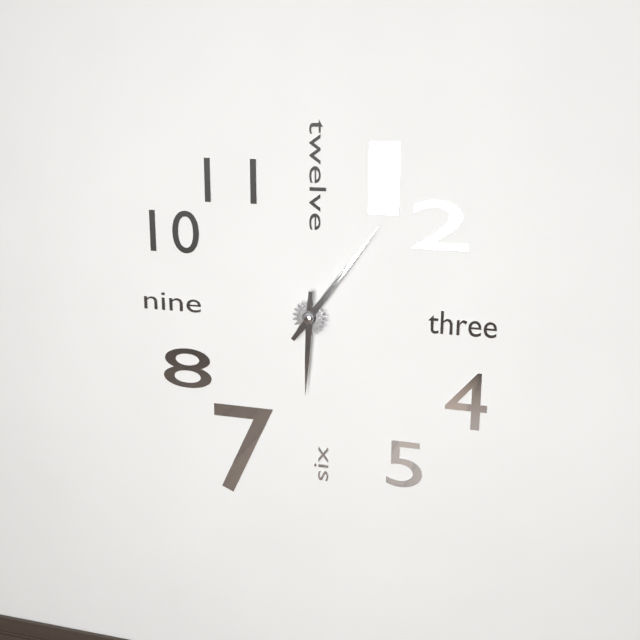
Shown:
6.06
